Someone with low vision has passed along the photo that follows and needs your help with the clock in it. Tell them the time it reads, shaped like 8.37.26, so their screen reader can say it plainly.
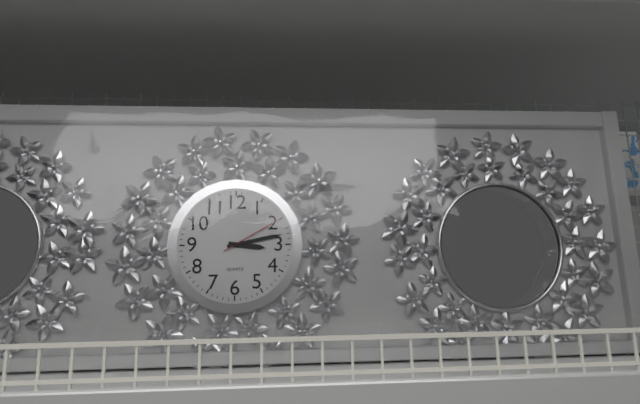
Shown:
3.13.10
